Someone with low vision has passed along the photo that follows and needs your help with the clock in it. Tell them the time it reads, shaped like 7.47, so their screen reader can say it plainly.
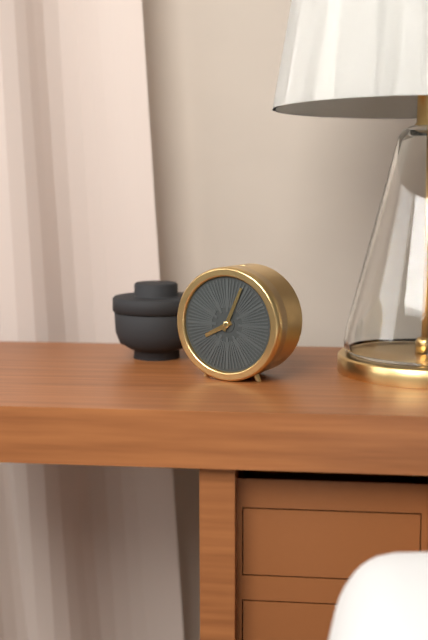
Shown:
8.04
